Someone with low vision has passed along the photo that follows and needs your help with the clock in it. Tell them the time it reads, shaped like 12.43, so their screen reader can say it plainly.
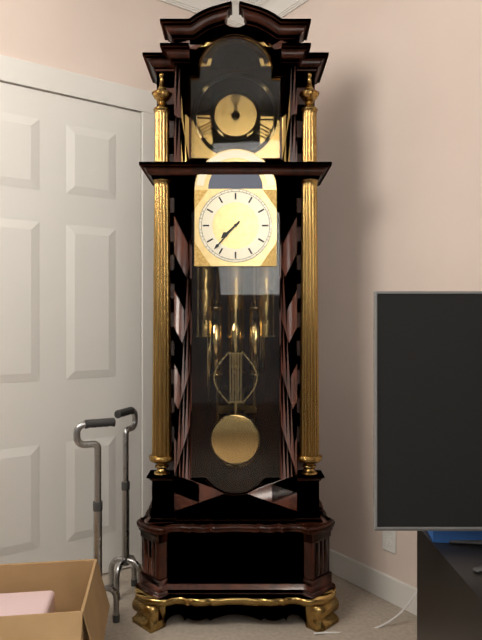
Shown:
7.37
